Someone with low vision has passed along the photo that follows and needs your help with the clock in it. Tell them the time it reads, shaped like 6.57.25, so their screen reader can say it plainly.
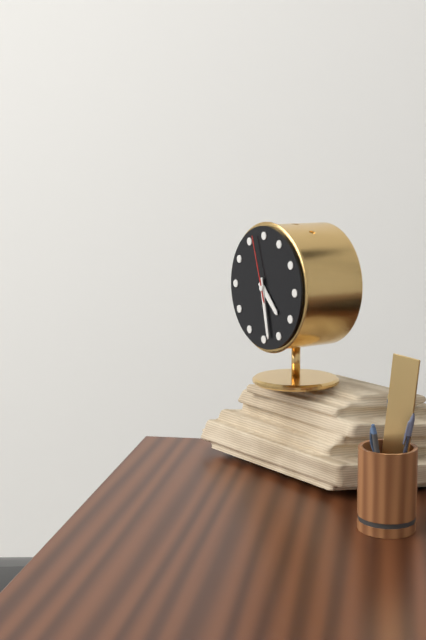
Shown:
4.28.57
